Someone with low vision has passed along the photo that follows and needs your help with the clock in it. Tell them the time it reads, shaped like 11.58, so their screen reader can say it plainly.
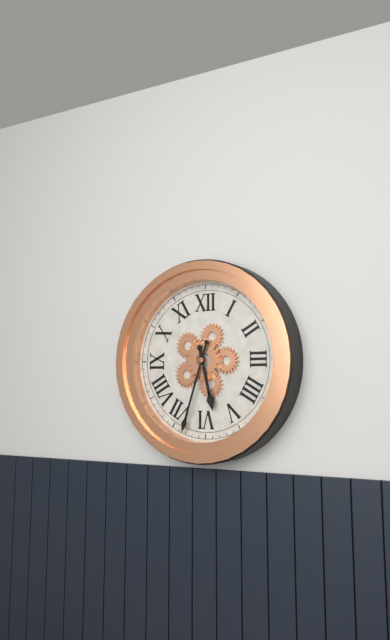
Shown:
5.33
